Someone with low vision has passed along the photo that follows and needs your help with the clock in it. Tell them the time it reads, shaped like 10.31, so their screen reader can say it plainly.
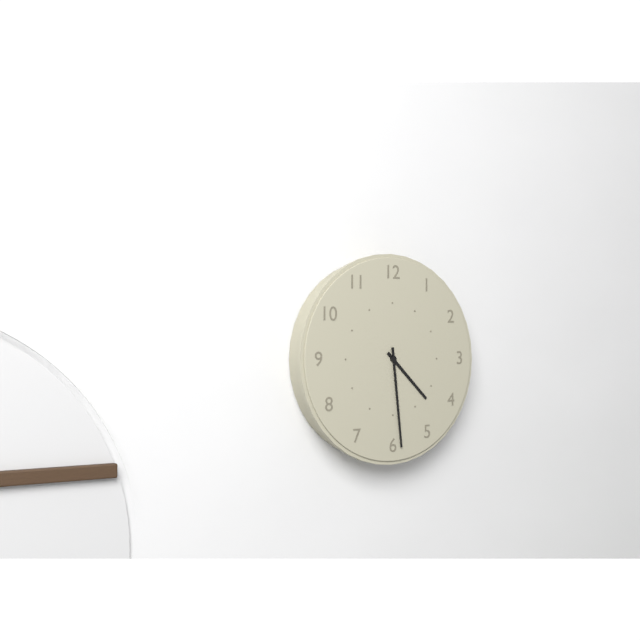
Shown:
4.29
